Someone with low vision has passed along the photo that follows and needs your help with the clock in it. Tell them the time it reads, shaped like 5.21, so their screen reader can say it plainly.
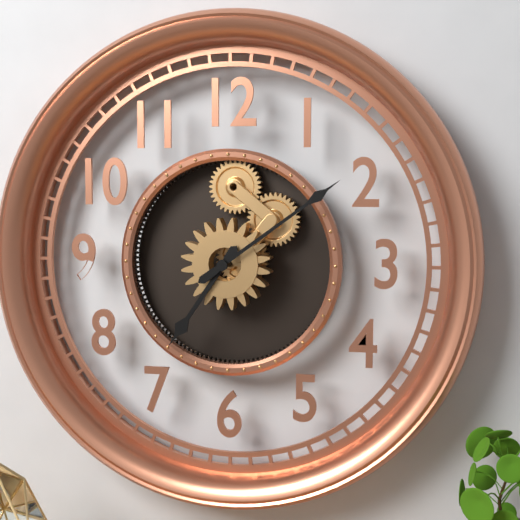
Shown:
7.09
